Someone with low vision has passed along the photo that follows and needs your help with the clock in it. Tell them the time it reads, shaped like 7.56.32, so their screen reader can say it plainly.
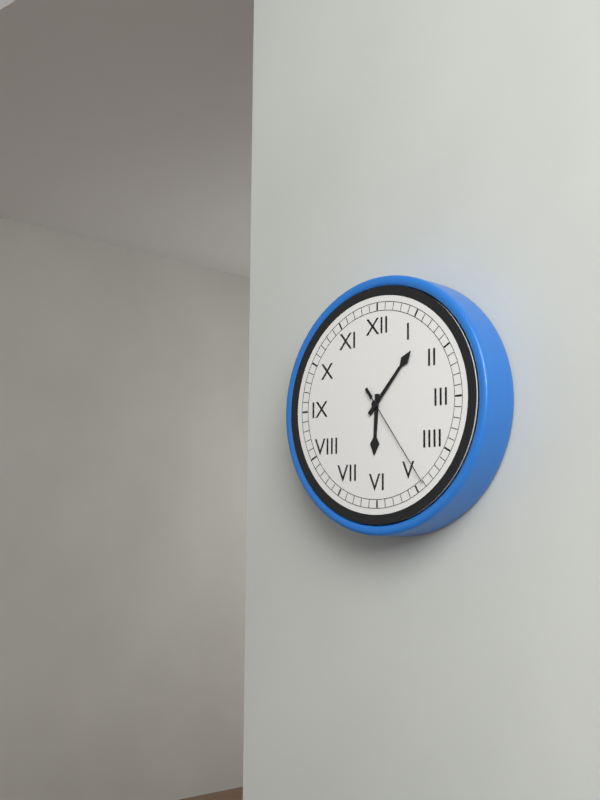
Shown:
6.07.24
